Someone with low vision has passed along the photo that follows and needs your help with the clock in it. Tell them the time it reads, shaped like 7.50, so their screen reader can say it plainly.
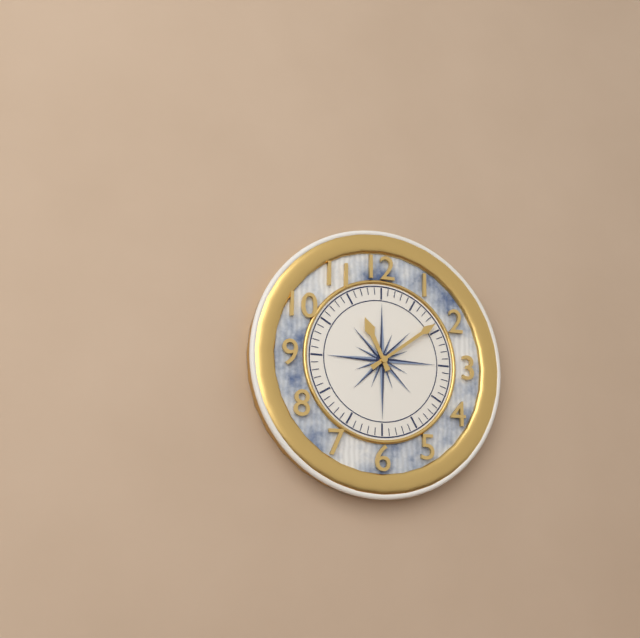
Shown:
11.09
